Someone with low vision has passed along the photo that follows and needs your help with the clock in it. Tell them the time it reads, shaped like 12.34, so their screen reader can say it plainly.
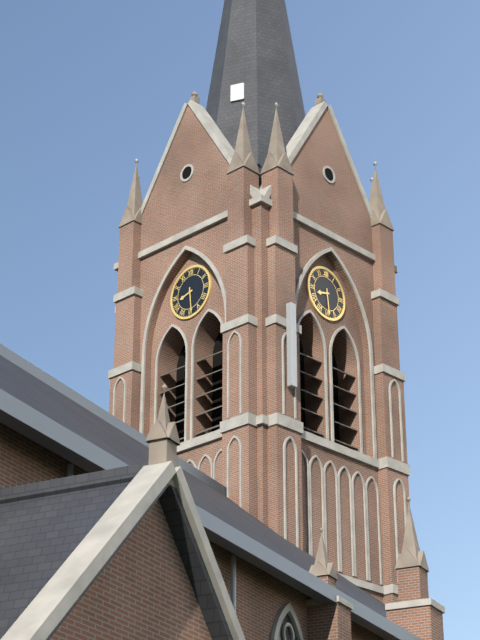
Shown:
8.29
